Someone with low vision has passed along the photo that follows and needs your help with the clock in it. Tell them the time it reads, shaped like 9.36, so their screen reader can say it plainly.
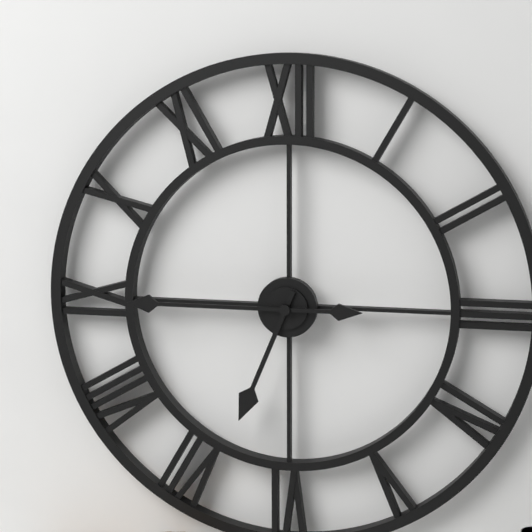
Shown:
6.45
